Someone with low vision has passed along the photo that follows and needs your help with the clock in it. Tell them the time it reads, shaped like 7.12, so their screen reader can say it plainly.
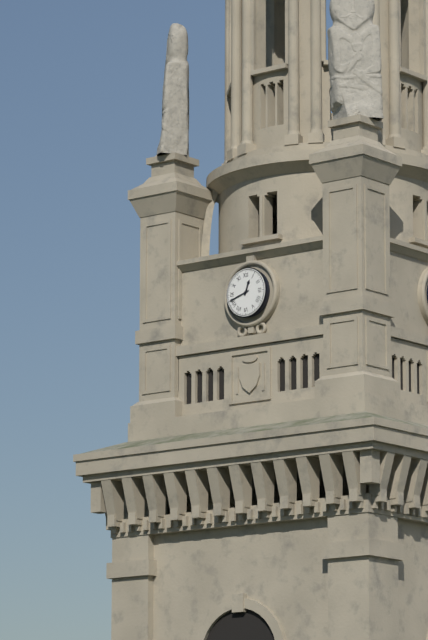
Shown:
12.42
